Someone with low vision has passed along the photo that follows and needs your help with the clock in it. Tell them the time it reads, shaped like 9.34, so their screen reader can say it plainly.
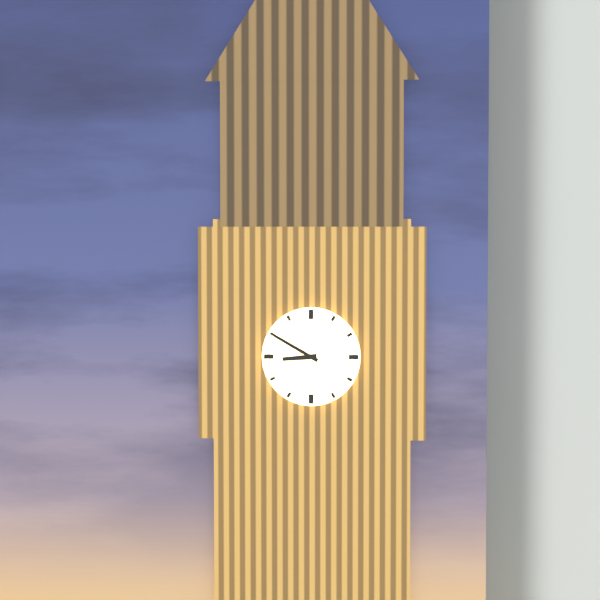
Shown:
8.50
